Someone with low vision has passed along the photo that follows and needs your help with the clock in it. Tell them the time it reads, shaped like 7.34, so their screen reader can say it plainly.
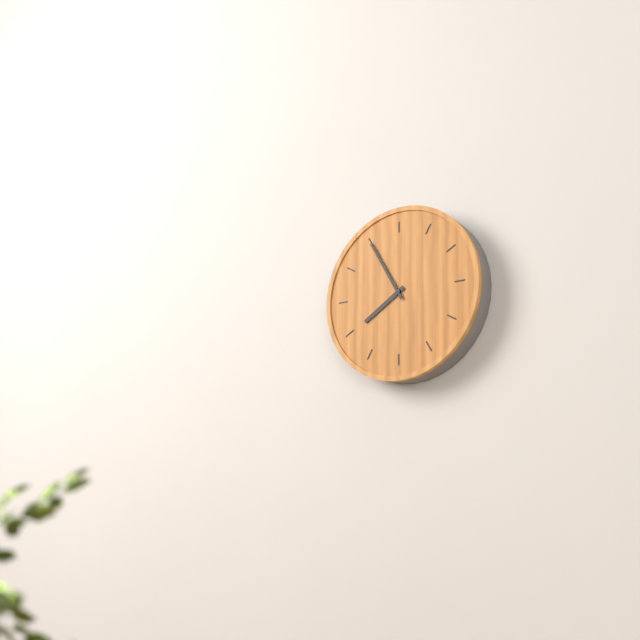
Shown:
7.55
